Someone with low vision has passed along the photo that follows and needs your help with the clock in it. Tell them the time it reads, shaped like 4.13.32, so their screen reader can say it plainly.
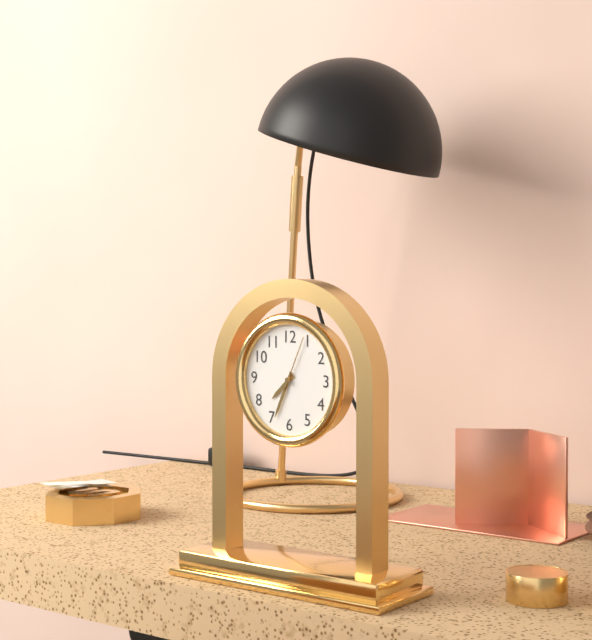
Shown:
7.34.04
